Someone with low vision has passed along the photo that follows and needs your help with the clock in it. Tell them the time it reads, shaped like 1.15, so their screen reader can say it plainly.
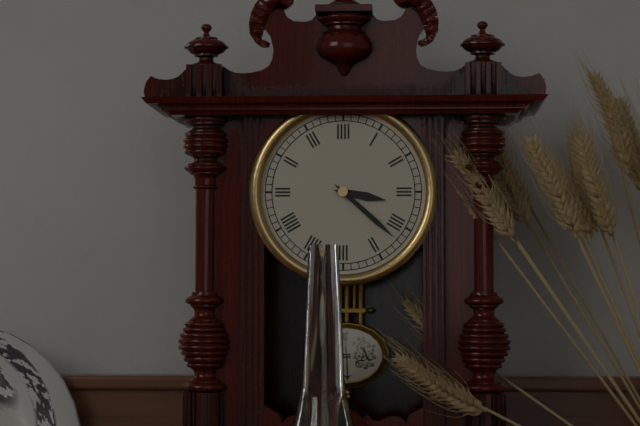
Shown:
3.22
